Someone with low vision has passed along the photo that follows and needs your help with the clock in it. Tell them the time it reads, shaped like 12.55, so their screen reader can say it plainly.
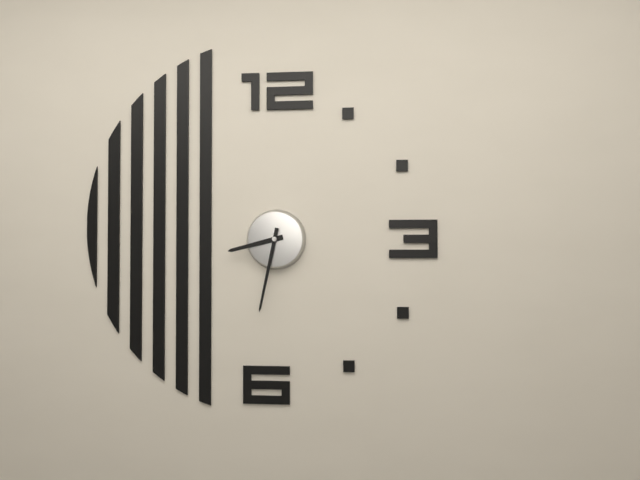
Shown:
8.32
